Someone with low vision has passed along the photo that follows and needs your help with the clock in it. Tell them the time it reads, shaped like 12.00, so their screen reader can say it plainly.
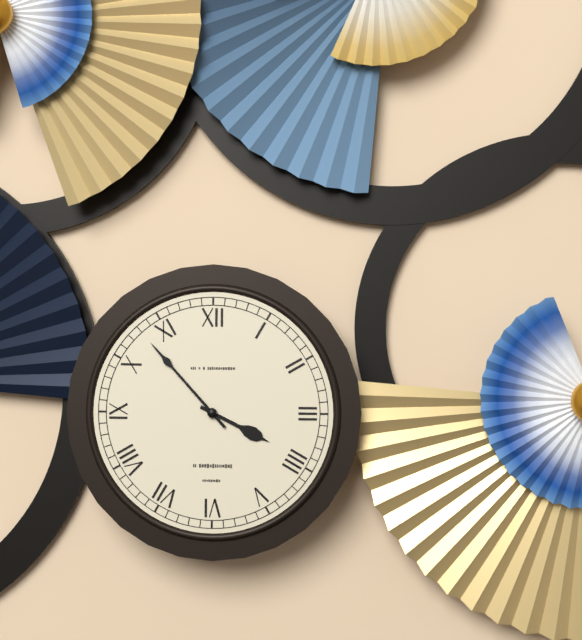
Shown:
3.53
